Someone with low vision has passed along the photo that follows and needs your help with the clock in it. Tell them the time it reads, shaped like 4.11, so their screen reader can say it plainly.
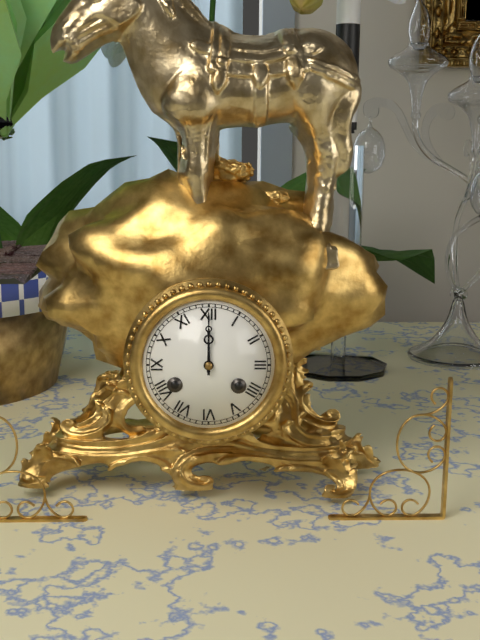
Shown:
12.00
